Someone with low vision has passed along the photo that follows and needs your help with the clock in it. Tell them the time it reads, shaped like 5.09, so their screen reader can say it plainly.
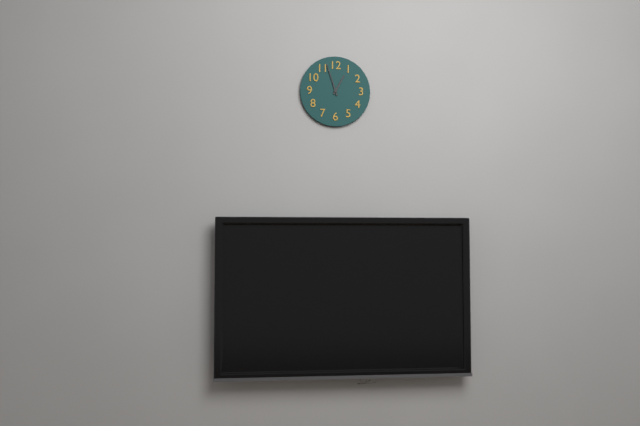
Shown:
12.57
